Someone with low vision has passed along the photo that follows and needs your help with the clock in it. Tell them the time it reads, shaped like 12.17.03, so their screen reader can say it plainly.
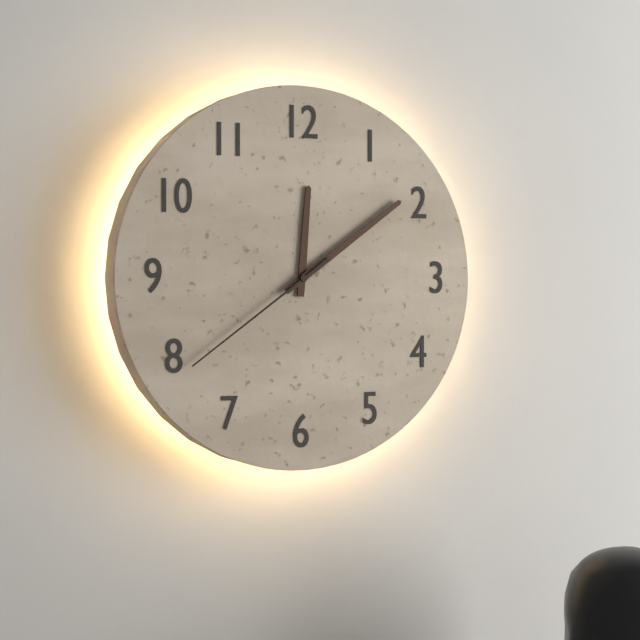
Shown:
12.09.39
